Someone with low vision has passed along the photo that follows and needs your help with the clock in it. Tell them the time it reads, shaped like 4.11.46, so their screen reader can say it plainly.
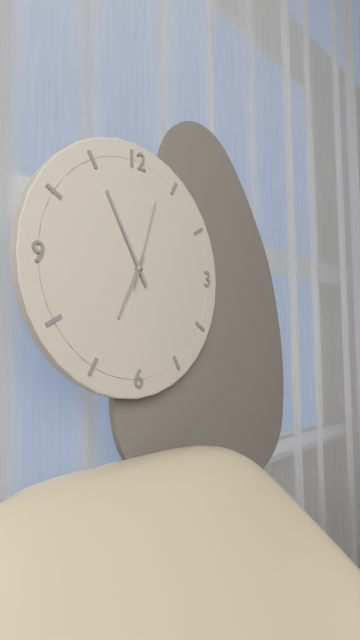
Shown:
6.55.03
